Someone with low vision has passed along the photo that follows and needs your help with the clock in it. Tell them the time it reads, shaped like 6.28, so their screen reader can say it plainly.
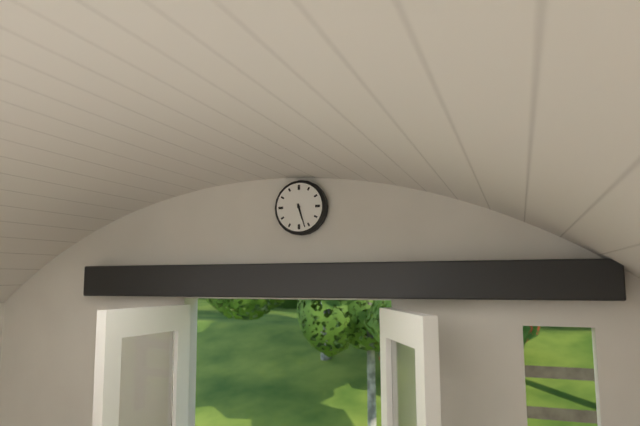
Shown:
5.27
